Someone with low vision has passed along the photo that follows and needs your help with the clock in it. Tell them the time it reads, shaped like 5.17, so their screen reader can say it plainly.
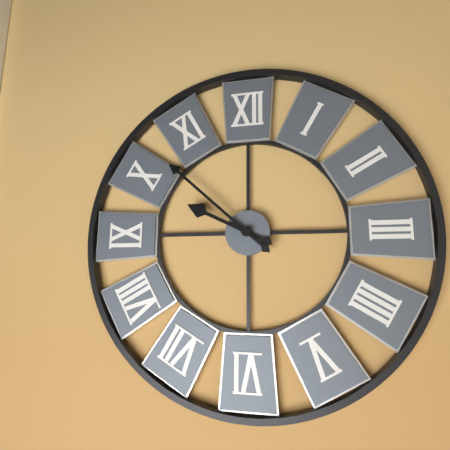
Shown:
9.52
